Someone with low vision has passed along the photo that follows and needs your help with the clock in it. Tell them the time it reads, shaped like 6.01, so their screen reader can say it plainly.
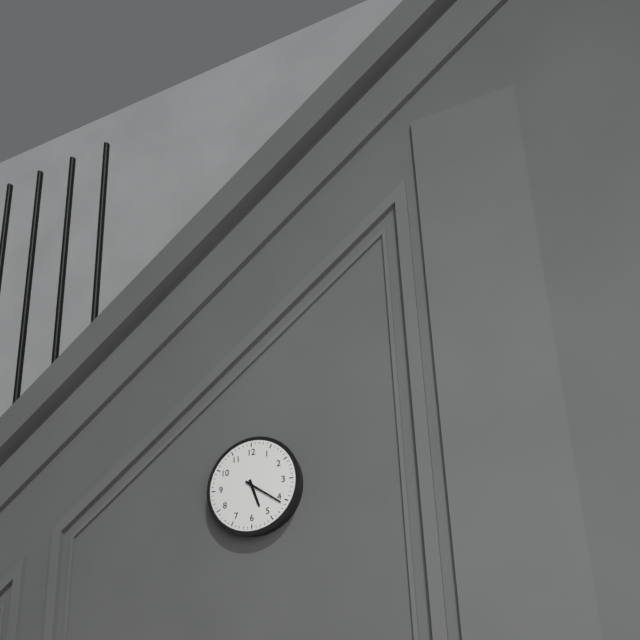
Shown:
5.21
